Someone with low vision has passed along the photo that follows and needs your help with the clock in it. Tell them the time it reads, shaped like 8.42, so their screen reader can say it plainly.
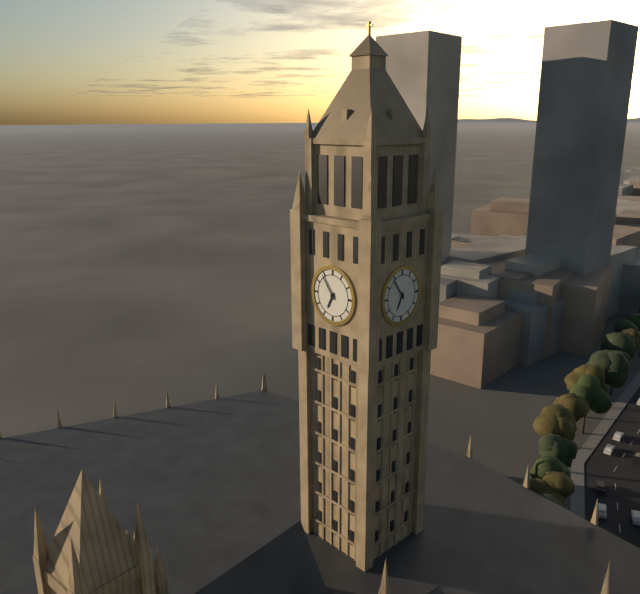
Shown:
6.54
